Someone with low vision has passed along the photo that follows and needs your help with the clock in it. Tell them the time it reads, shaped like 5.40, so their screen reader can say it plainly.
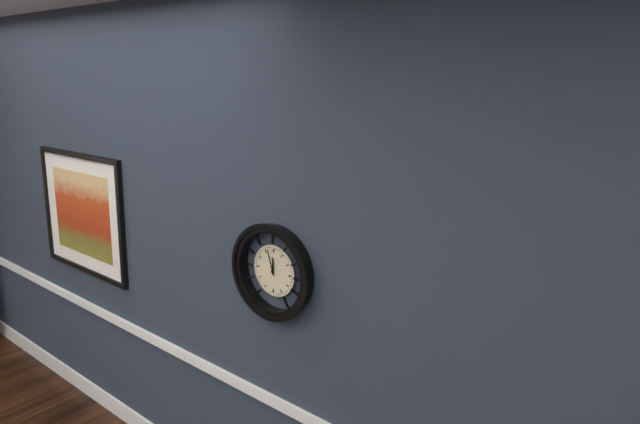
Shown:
11.57
